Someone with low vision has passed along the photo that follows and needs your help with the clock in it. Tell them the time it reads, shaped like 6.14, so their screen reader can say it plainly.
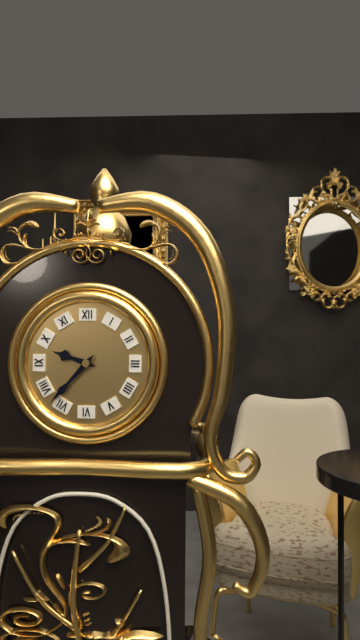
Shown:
9.37
